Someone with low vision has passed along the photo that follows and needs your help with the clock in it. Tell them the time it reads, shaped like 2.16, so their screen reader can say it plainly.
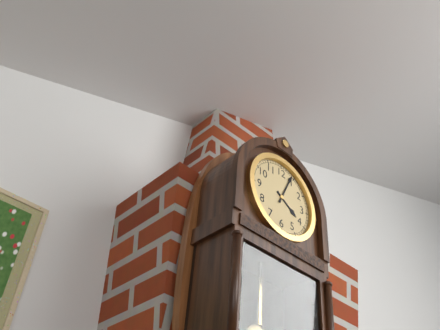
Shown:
4.04
